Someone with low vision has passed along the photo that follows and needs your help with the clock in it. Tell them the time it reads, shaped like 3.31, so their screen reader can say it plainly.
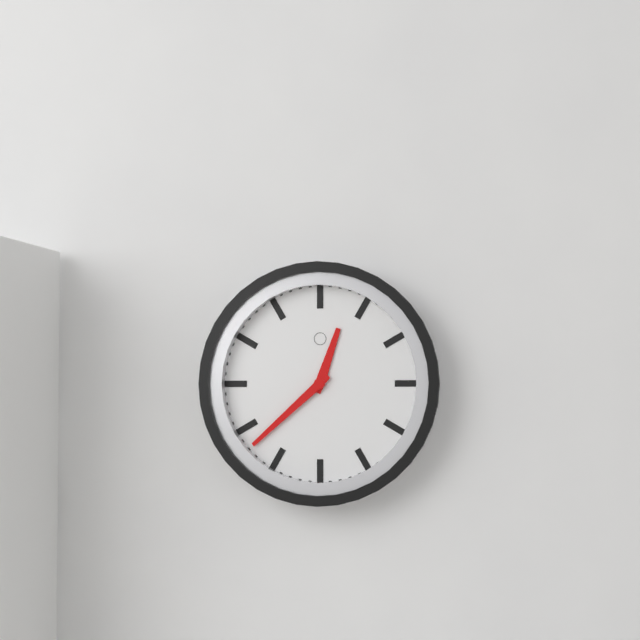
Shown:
12.38
